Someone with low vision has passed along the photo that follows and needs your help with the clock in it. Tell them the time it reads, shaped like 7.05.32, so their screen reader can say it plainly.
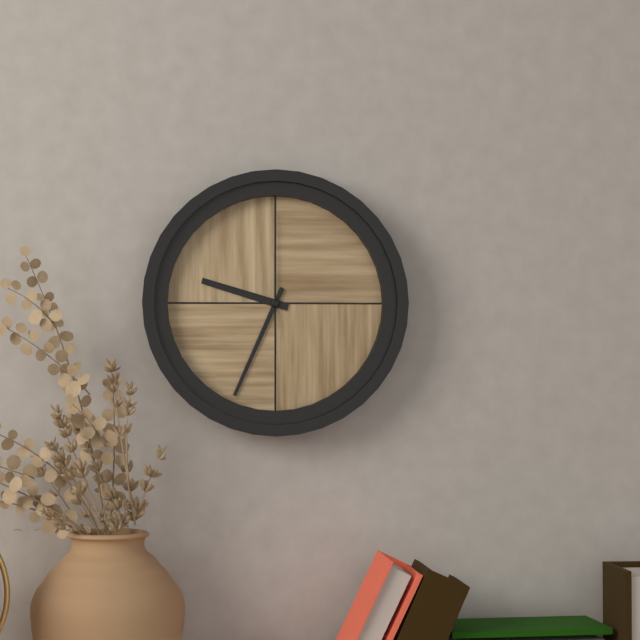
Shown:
9.34.00
